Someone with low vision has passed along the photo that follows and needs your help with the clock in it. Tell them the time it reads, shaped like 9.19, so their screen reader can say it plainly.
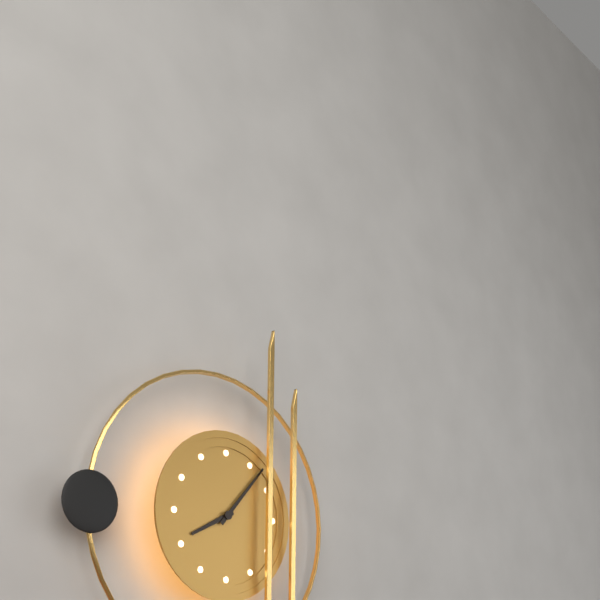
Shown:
8.07
